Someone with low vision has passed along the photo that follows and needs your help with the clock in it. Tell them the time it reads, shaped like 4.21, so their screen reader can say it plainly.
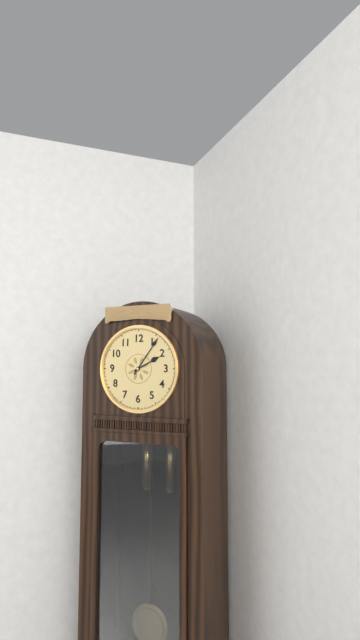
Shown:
2.06
